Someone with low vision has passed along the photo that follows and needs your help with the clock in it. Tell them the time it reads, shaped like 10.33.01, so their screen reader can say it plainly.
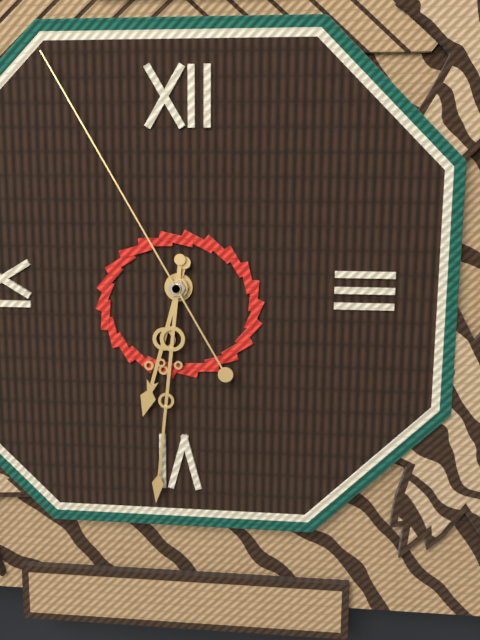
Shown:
6.31.55
